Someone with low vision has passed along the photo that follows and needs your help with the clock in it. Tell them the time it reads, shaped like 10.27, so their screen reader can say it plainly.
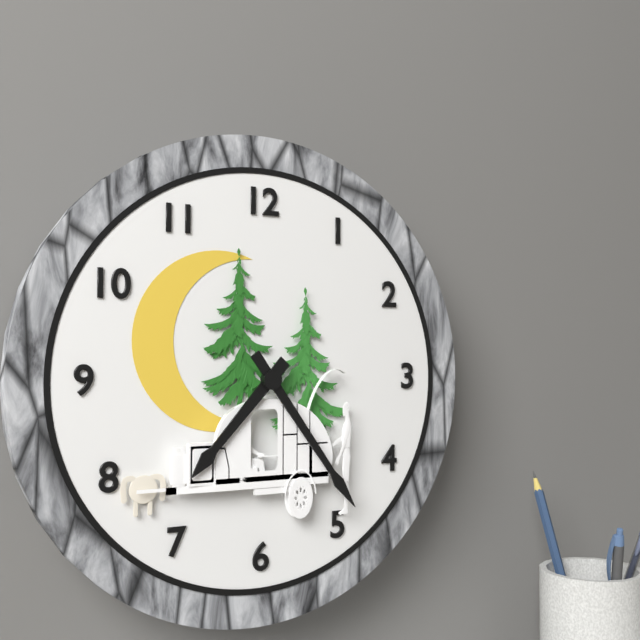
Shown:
7.24
